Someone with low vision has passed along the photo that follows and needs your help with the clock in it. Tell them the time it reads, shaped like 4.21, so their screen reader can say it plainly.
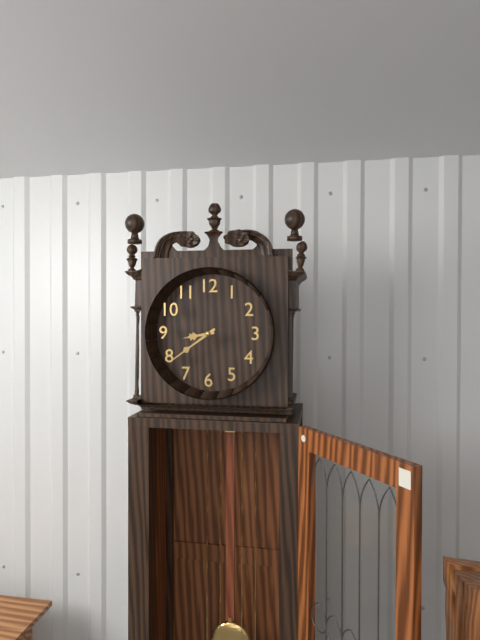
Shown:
8.39
